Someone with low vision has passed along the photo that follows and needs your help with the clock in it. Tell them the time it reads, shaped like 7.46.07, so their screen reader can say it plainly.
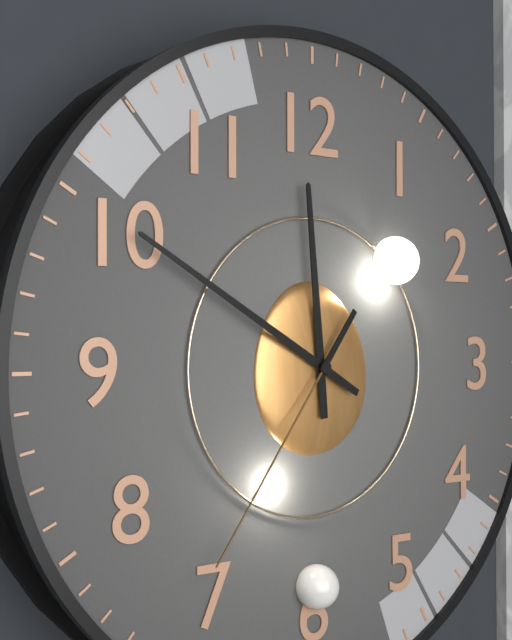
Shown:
11.50.36
